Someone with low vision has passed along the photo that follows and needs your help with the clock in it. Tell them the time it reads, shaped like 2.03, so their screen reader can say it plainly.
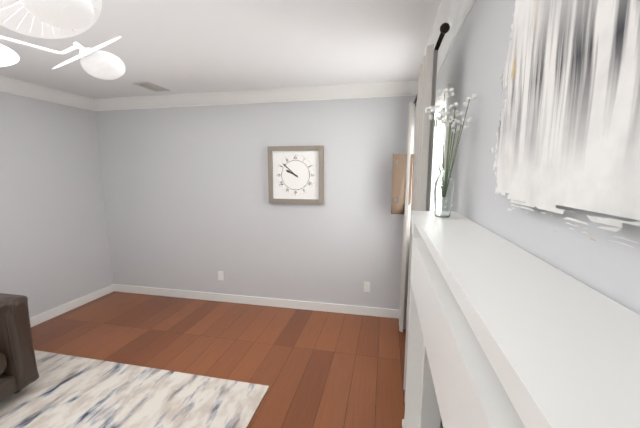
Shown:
9.52
